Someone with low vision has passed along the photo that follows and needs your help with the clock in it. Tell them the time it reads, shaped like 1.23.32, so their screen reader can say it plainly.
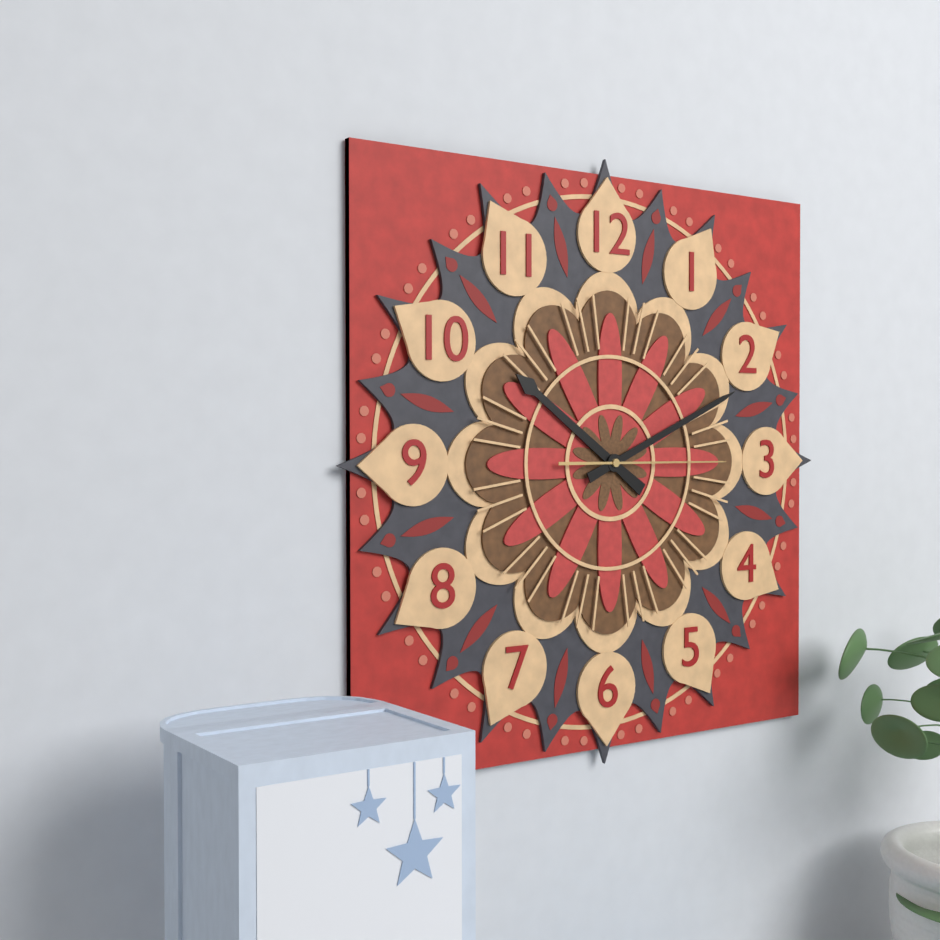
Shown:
10.11.15
